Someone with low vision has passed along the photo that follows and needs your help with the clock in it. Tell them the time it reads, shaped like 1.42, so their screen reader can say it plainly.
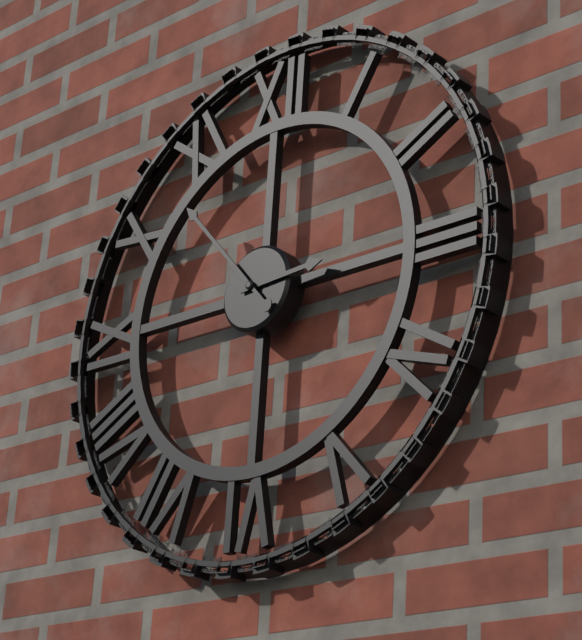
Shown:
2.53
